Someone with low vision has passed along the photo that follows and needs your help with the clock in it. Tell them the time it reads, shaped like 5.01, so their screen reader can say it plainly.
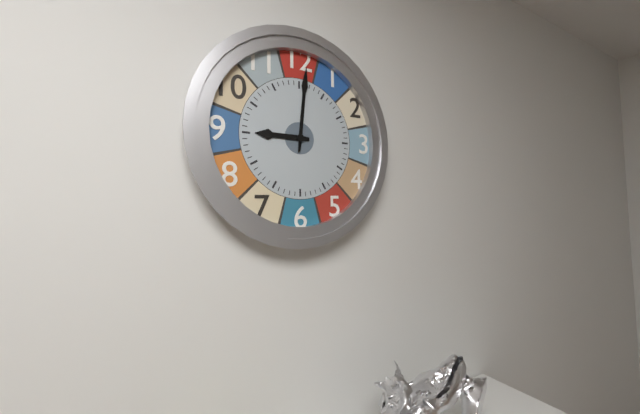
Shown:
9.01
